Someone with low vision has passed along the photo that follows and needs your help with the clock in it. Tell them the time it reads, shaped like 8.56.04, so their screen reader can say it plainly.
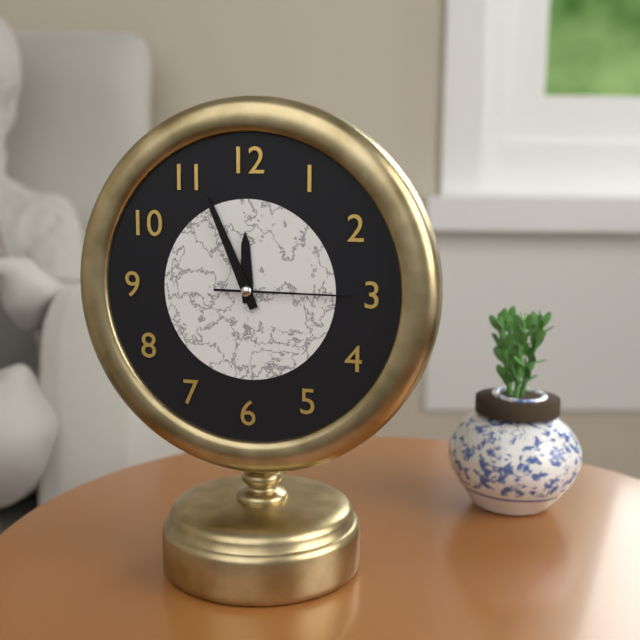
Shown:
11.56.15
